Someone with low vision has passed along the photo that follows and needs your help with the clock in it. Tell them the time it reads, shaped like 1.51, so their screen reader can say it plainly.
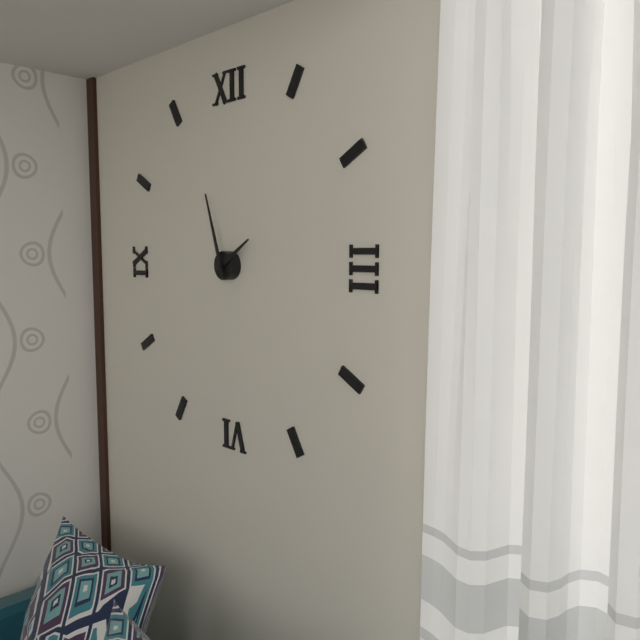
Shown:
1.57
